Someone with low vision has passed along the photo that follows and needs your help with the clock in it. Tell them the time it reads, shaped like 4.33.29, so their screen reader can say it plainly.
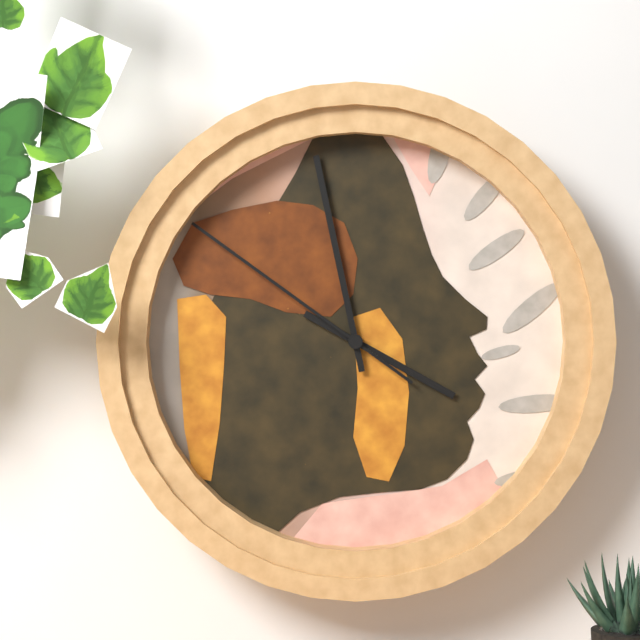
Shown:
3.58.51
